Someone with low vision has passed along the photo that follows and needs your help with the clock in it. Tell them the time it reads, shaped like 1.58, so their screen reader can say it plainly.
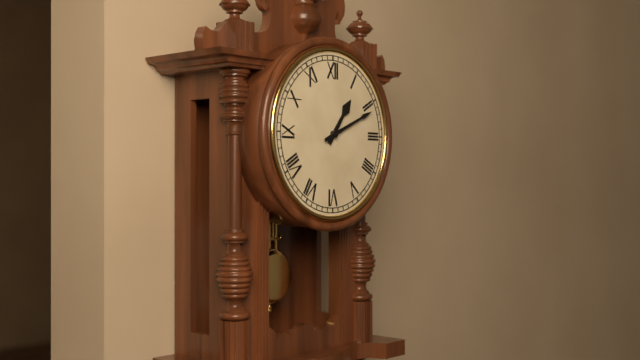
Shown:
1.11
